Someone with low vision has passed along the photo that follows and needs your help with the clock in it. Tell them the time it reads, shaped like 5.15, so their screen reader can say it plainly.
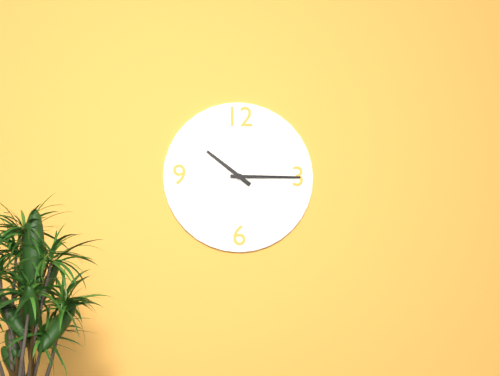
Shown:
10.15
